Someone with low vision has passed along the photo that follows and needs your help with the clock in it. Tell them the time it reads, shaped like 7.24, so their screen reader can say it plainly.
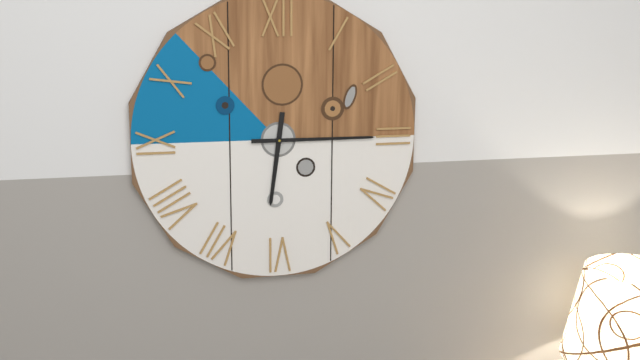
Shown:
6.15
